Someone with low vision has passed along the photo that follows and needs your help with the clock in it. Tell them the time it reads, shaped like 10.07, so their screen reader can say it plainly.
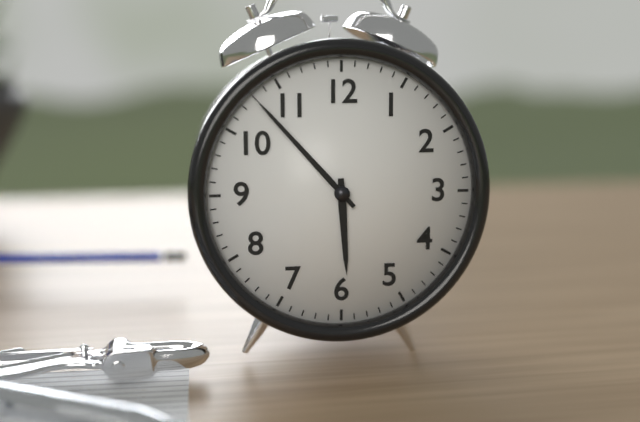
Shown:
5.53
